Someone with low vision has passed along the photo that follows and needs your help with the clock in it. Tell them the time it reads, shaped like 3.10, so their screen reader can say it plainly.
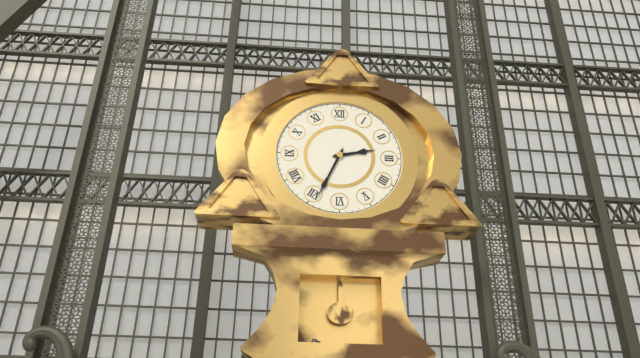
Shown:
2.34
